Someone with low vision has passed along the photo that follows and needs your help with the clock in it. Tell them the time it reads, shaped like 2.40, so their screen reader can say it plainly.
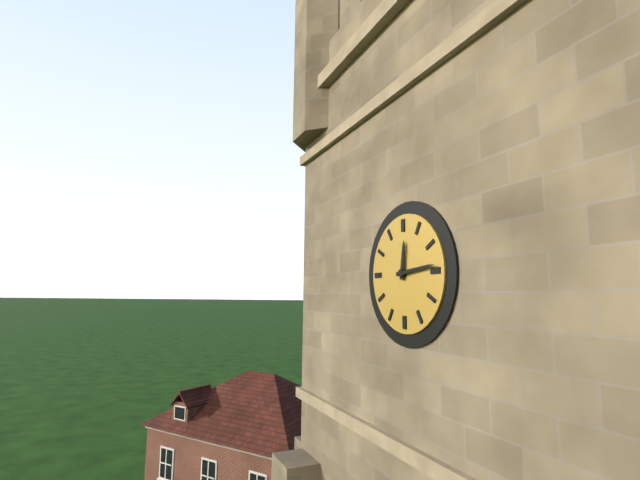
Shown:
12.14
